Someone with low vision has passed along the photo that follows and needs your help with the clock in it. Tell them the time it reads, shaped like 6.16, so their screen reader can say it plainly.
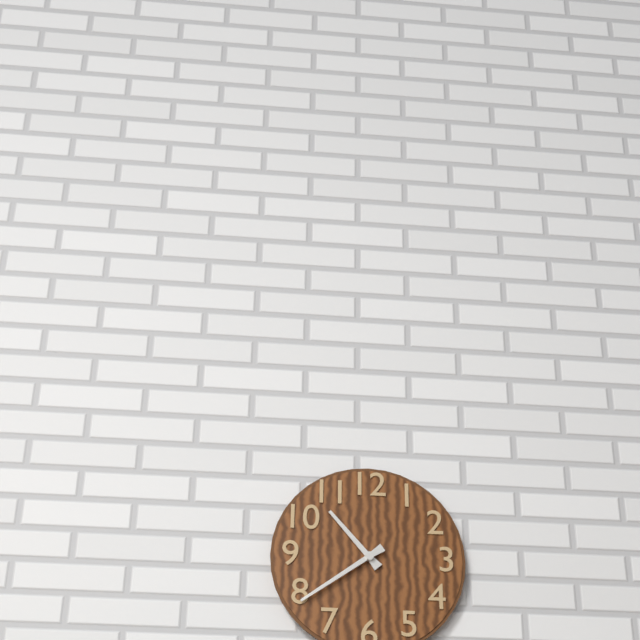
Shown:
10.39
